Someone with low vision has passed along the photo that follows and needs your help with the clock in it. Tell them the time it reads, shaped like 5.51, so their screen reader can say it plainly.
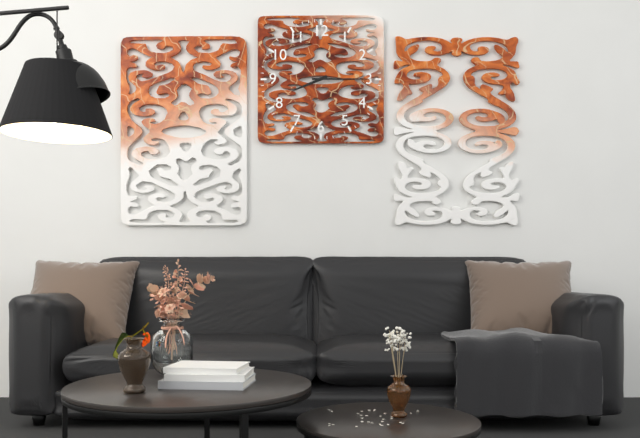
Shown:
8.15
